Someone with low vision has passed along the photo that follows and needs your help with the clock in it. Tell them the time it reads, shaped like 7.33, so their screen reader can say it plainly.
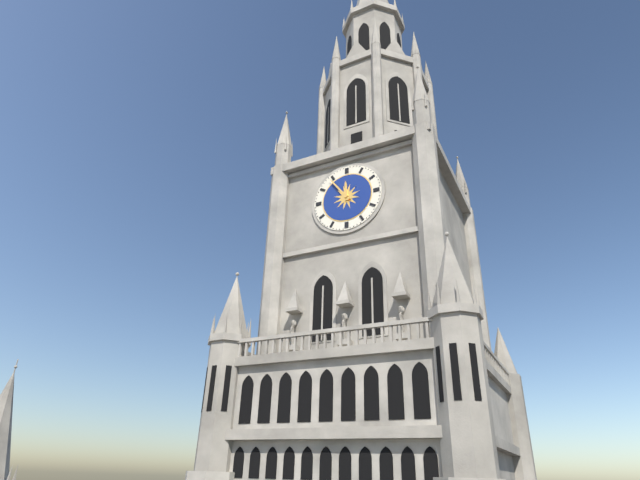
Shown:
11.54
